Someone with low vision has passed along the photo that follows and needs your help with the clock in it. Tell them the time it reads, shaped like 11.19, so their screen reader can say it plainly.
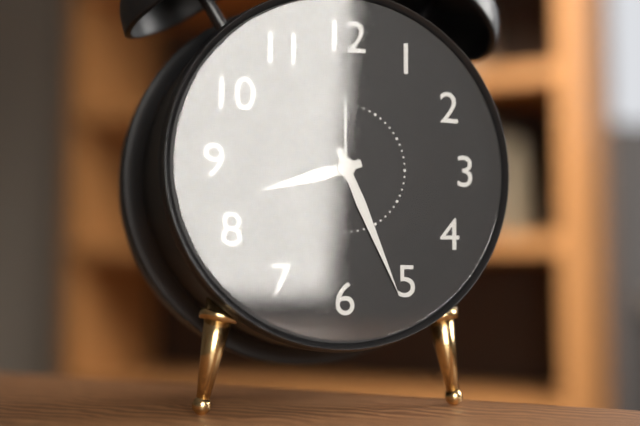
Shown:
8.26
